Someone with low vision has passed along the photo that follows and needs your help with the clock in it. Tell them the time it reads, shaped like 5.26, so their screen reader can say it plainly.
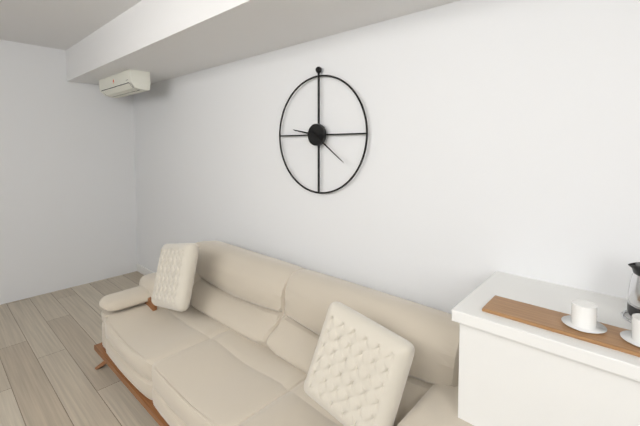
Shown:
9.21
